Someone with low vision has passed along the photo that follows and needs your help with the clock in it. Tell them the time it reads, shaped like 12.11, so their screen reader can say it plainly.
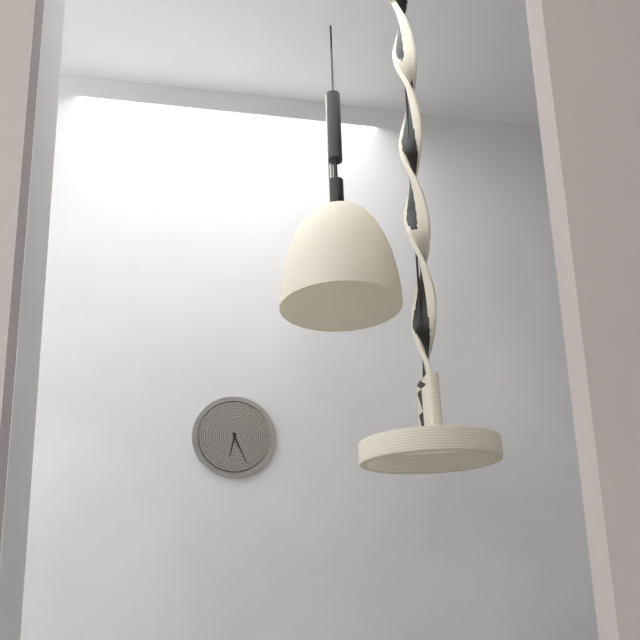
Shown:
6.26
